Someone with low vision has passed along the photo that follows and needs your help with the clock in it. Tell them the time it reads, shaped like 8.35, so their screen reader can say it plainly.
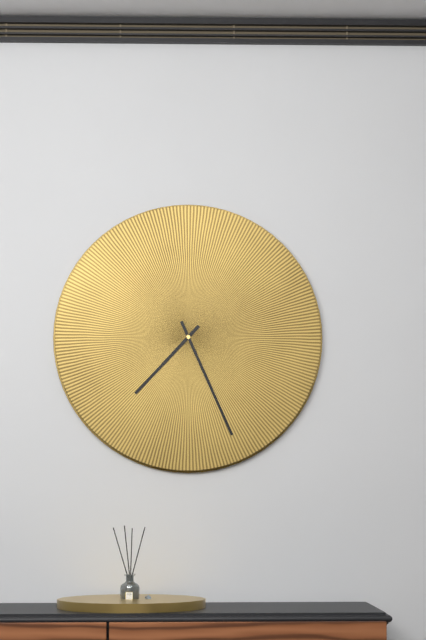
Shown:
7.26
